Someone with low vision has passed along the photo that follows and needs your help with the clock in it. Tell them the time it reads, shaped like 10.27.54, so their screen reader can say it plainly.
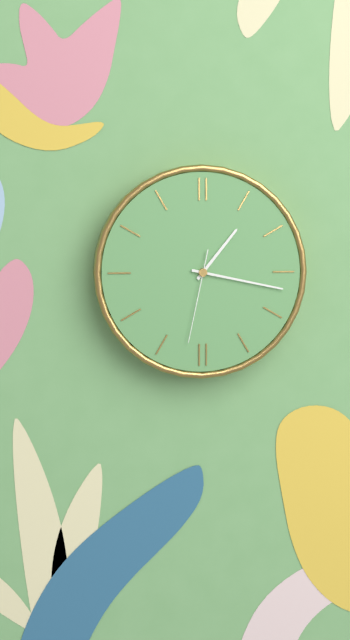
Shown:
1.17.32
